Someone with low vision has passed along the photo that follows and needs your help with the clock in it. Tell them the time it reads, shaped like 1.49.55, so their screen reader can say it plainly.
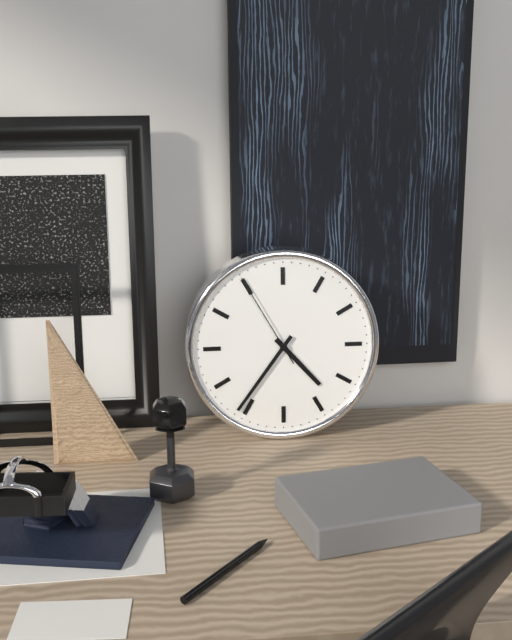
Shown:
4.36.55
